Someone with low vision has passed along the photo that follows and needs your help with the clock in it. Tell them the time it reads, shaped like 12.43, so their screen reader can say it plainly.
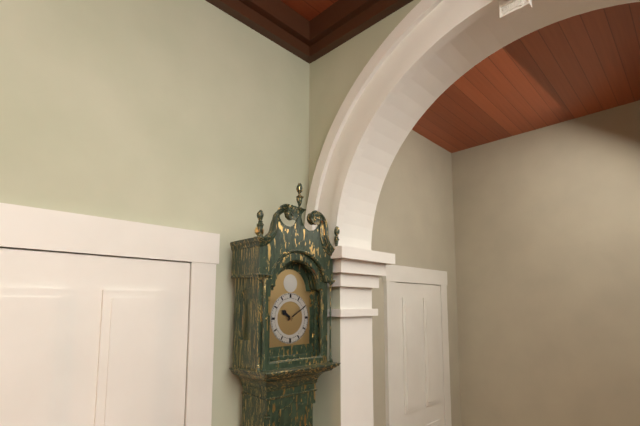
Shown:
10.10
